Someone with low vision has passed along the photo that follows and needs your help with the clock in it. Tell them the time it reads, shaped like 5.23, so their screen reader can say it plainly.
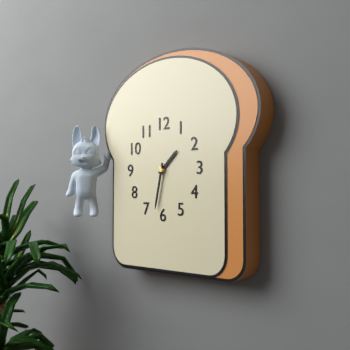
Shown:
1.32
